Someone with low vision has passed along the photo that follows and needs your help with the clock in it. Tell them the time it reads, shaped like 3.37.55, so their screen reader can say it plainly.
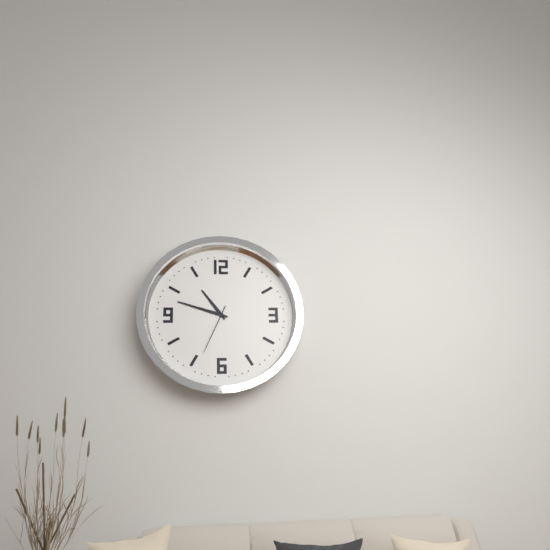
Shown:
10.48.34
